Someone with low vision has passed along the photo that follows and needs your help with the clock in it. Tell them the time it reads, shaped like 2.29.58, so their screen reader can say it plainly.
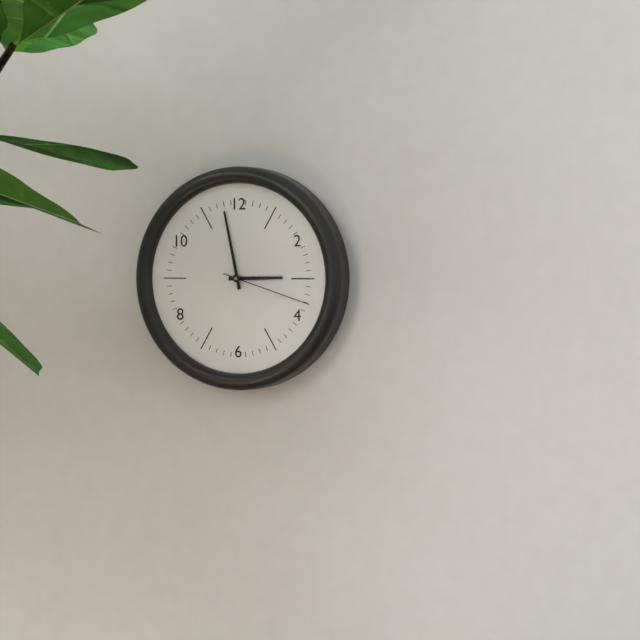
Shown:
2.58.18
